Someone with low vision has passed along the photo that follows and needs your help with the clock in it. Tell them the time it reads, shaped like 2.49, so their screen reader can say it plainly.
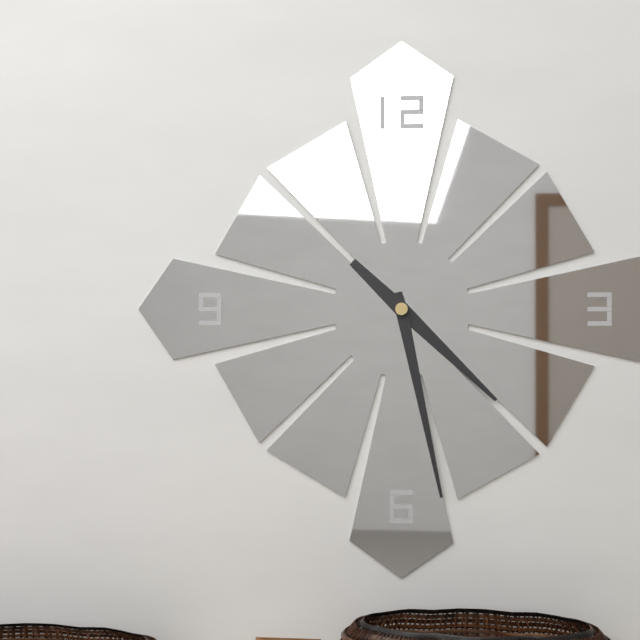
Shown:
4.28
